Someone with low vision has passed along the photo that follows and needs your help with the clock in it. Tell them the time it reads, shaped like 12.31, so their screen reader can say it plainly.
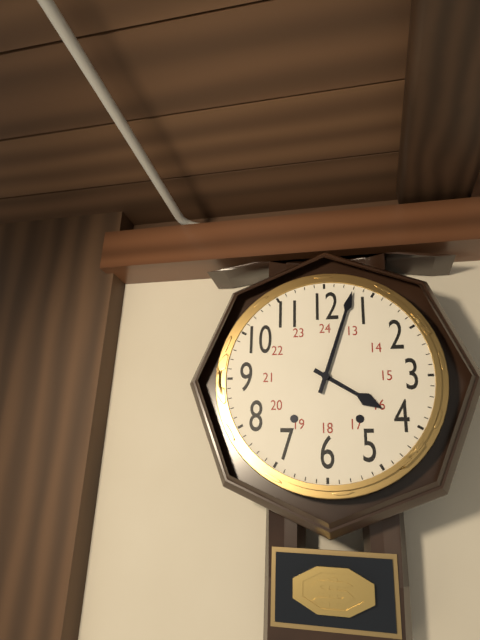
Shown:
4.03
